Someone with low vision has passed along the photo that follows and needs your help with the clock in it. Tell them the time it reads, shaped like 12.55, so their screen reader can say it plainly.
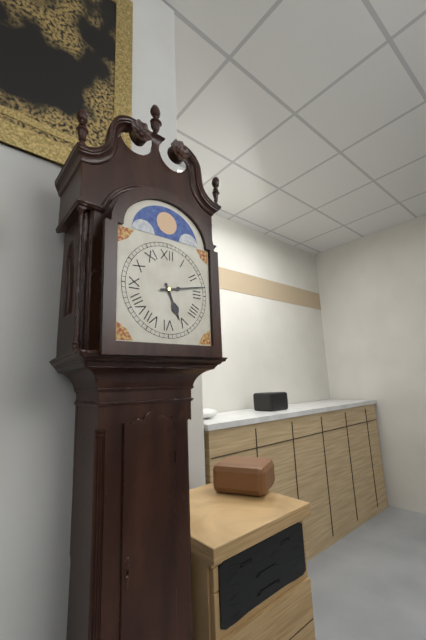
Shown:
5.13
